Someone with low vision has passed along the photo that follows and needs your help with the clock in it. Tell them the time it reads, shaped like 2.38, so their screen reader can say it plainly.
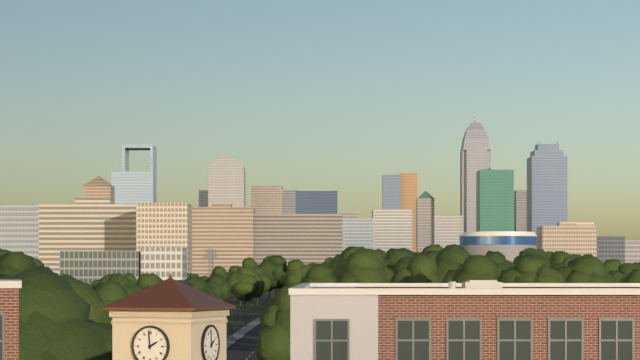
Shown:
1.59
